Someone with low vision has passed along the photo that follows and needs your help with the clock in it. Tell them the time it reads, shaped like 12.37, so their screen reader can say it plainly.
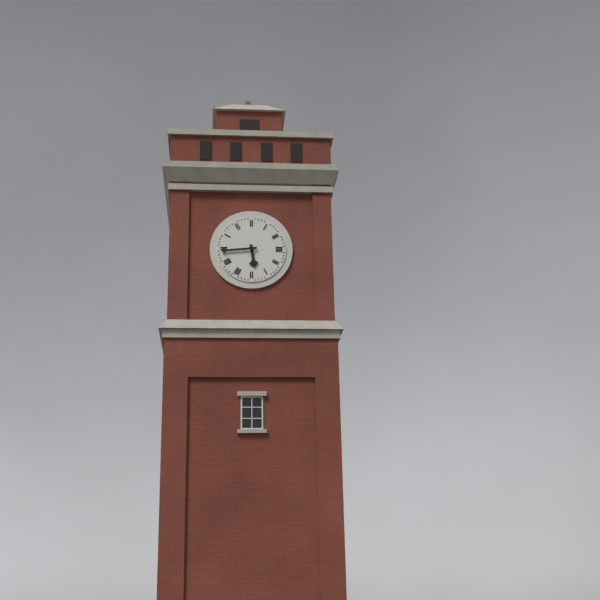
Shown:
5.44
